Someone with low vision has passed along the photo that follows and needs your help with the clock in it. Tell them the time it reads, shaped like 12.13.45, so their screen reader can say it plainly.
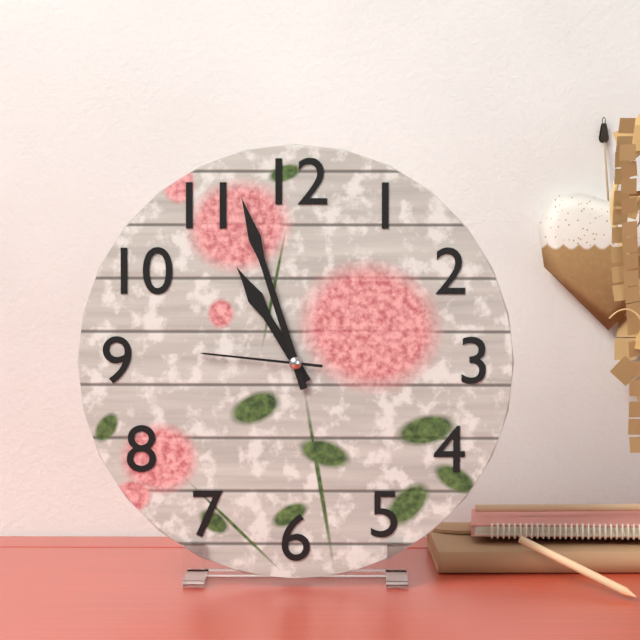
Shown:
10.57.46
